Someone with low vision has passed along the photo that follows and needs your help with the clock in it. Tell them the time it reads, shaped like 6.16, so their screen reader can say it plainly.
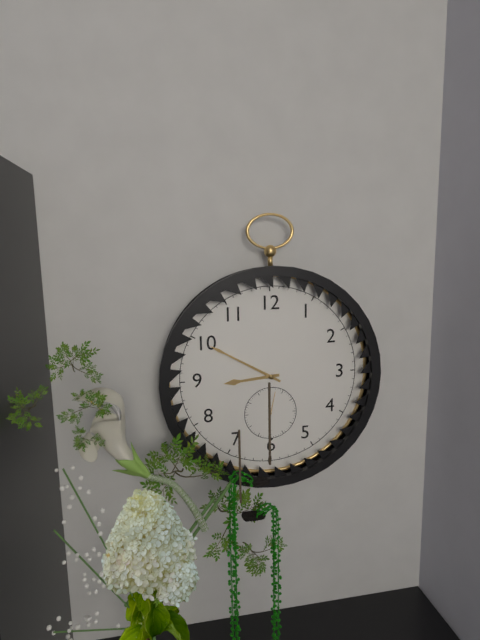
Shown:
8.50
